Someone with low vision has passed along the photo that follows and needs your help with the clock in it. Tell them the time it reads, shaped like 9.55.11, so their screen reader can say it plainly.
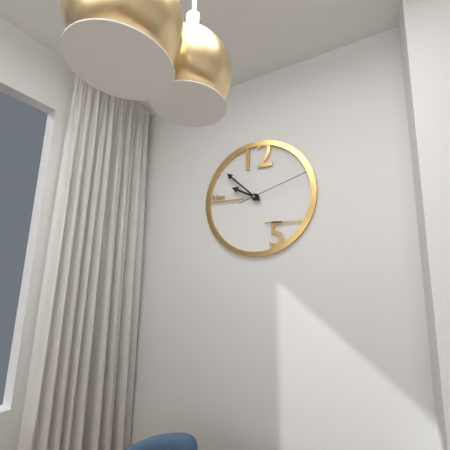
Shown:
9.52.12
